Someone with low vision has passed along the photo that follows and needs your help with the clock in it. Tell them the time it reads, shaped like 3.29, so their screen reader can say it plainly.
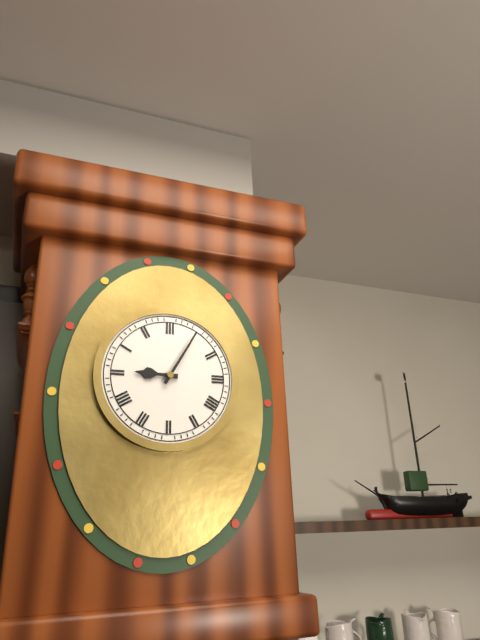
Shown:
9.05
